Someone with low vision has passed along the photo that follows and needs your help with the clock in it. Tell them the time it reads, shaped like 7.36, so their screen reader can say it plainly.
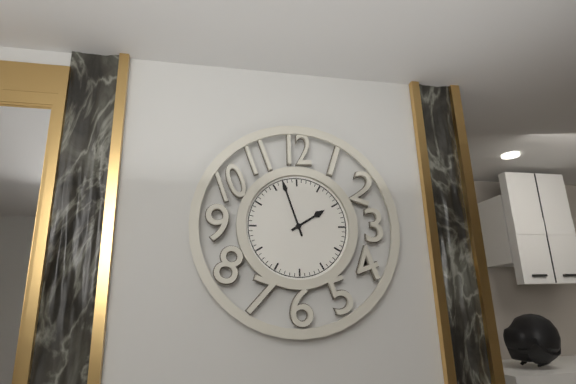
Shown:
1.57
